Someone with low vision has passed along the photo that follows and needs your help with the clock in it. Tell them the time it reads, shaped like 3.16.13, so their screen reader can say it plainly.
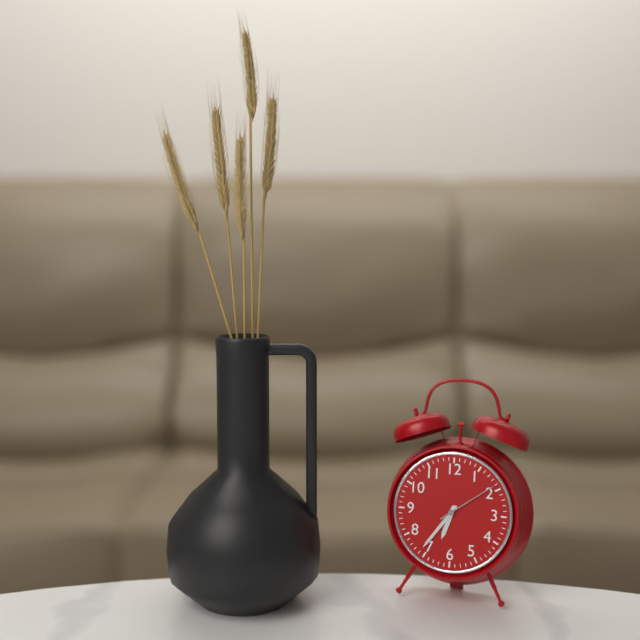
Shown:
6.36.09
